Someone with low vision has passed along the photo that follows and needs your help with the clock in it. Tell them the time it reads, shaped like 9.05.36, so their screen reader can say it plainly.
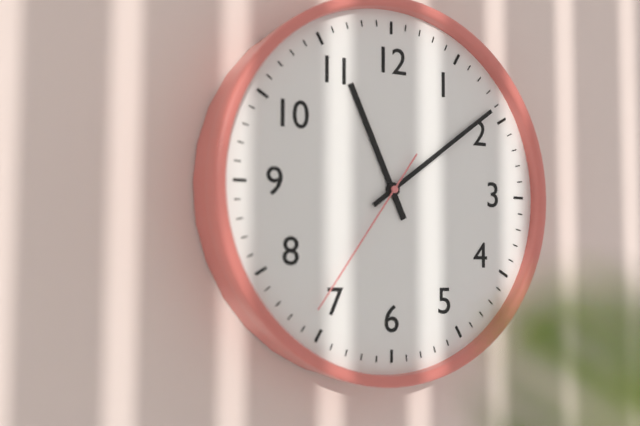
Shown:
11.09.36
